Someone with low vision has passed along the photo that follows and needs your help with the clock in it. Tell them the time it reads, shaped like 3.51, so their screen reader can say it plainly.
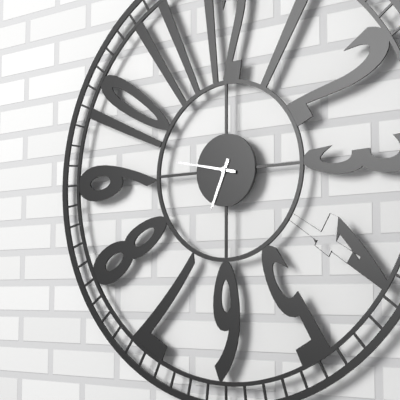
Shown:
6.47
